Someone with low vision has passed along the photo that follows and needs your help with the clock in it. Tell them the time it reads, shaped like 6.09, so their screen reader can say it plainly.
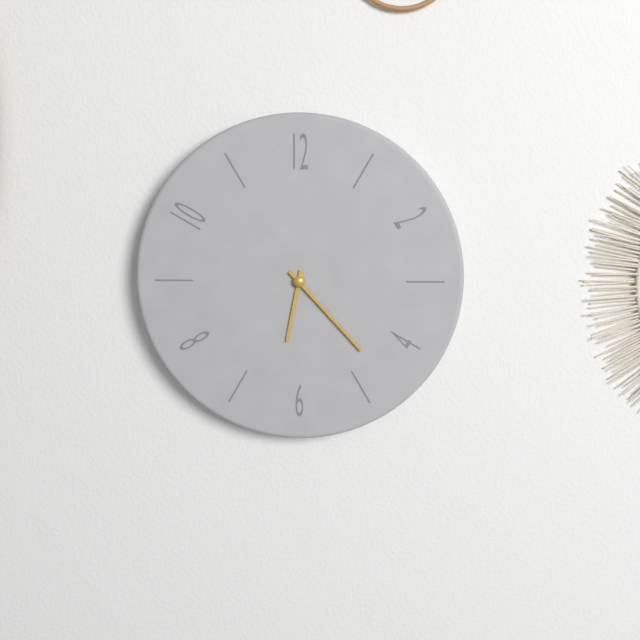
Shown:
6.23
